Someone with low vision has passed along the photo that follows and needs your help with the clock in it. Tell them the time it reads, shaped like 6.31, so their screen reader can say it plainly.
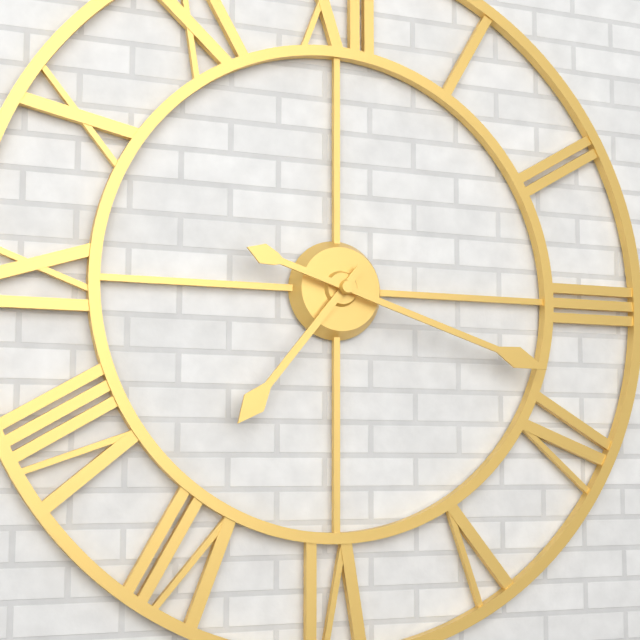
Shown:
7.18
